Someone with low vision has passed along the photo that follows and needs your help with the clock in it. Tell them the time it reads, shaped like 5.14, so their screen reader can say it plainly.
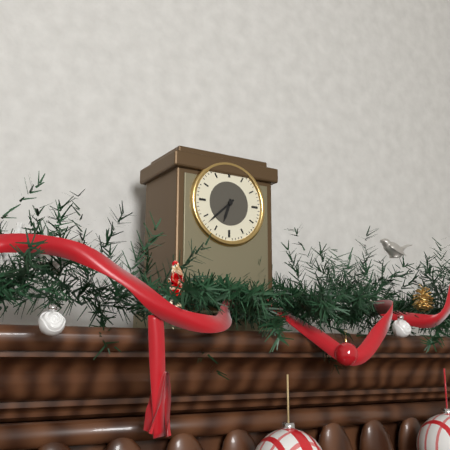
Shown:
6.38
